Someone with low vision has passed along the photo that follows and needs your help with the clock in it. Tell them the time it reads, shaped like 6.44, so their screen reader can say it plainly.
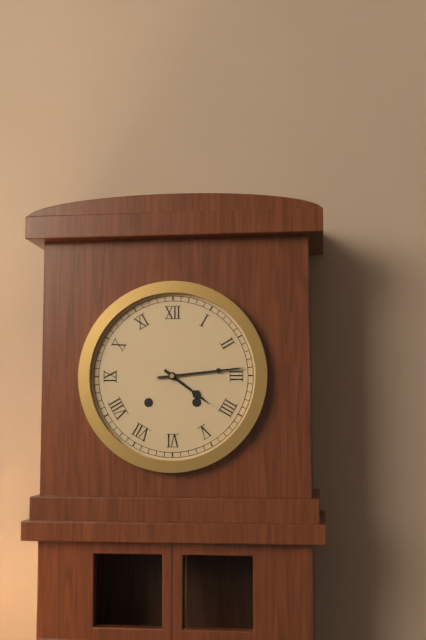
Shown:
4.14
